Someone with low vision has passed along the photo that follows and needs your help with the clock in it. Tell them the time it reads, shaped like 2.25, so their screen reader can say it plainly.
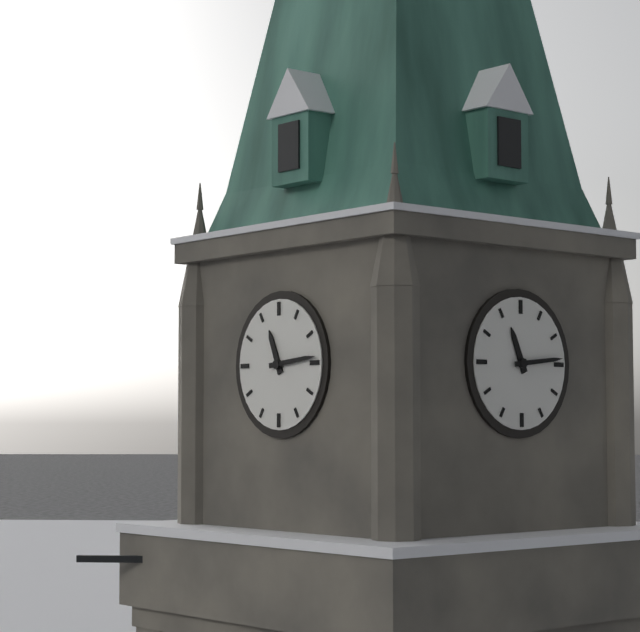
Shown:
11.14
